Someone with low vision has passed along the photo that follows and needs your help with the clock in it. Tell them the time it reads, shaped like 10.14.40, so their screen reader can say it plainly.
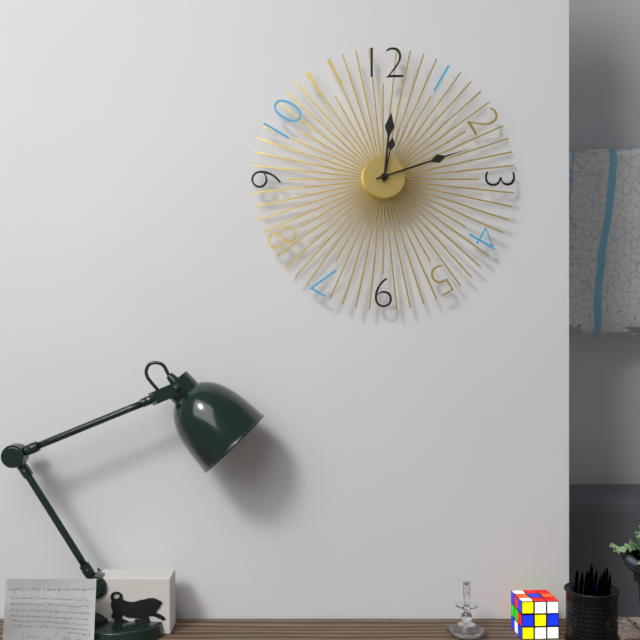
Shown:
12.12.02
